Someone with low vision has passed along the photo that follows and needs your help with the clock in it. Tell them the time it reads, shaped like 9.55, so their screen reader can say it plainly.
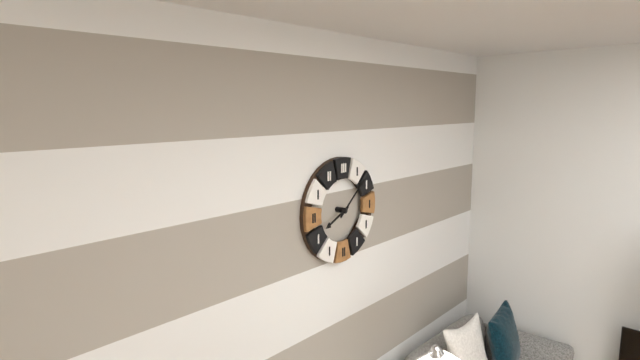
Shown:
8.08
